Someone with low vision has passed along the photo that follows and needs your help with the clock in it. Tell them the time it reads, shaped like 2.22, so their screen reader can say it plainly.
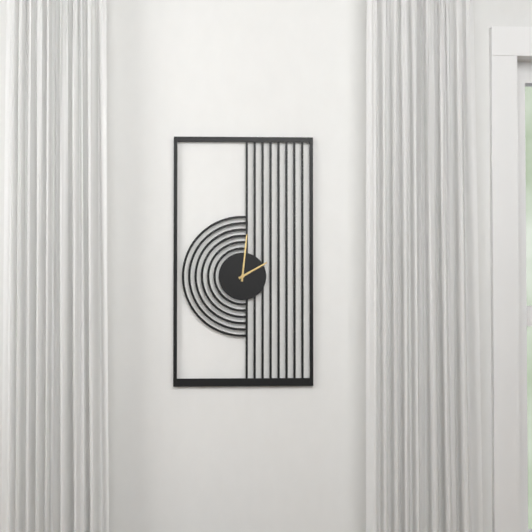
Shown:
2.01
